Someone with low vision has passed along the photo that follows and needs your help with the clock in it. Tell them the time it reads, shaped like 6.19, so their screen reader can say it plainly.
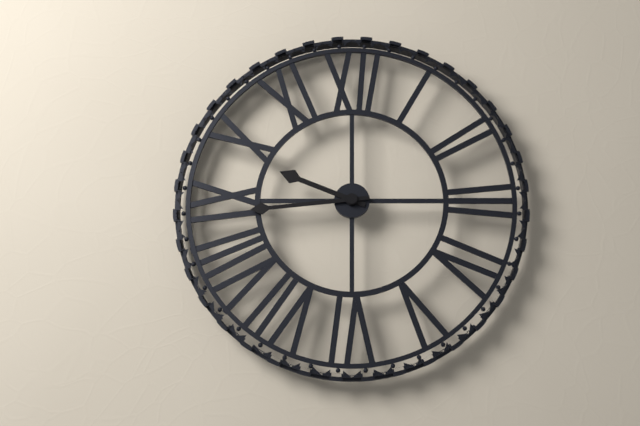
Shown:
9.44
